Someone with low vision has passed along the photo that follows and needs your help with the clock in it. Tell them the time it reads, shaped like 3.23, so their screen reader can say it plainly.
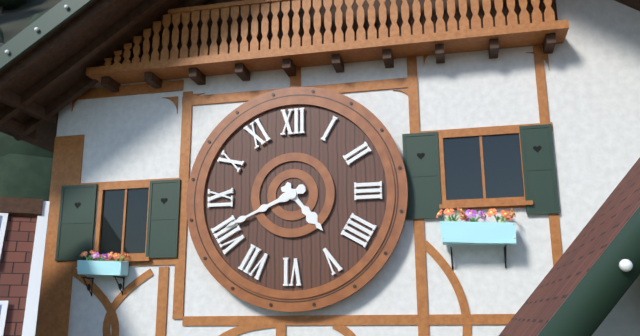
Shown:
4.41
